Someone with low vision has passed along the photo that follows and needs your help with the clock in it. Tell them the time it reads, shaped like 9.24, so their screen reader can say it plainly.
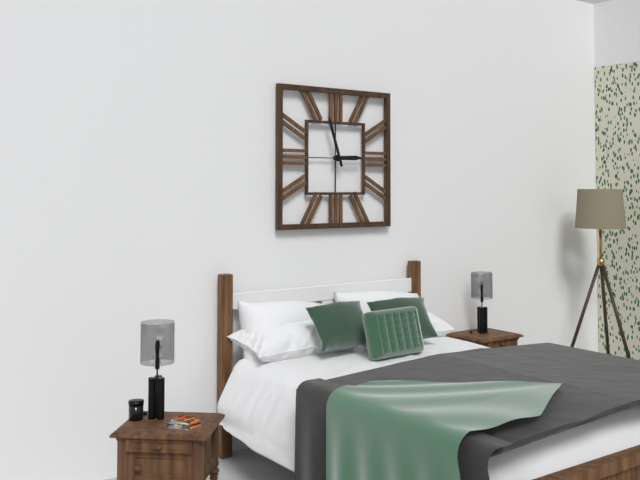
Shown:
2.57
